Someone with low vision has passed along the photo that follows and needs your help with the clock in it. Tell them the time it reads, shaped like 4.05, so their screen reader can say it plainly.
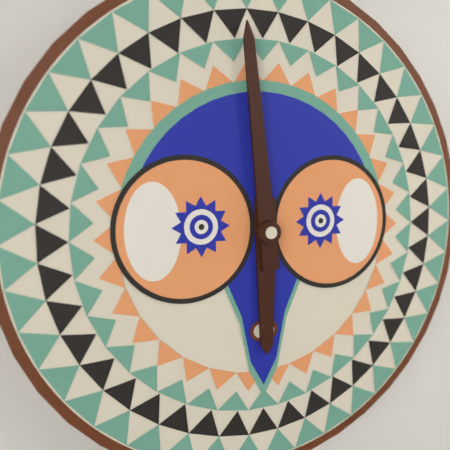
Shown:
5.59
